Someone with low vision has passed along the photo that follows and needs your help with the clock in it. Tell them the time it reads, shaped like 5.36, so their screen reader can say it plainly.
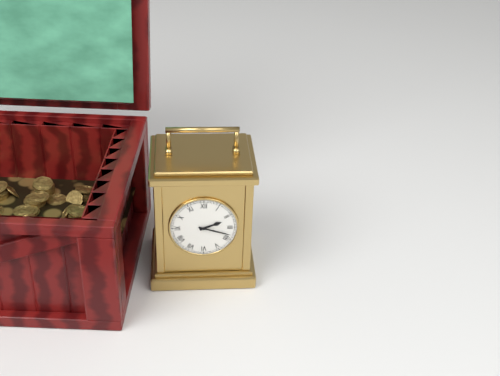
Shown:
2.18
